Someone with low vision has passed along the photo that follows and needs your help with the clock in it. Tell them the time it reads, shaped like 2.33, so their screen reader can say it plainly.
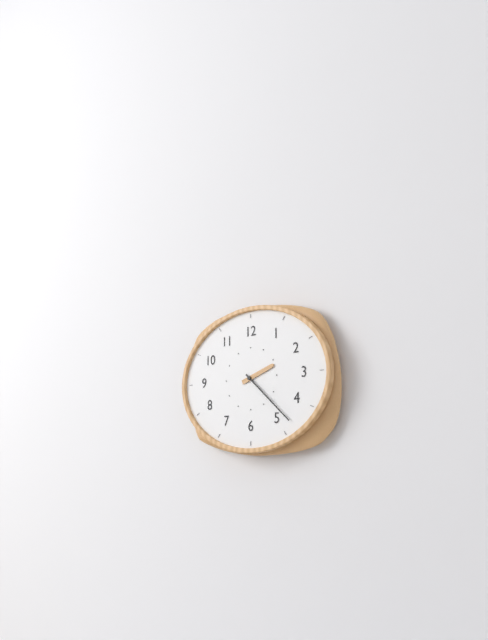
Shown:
2.22
